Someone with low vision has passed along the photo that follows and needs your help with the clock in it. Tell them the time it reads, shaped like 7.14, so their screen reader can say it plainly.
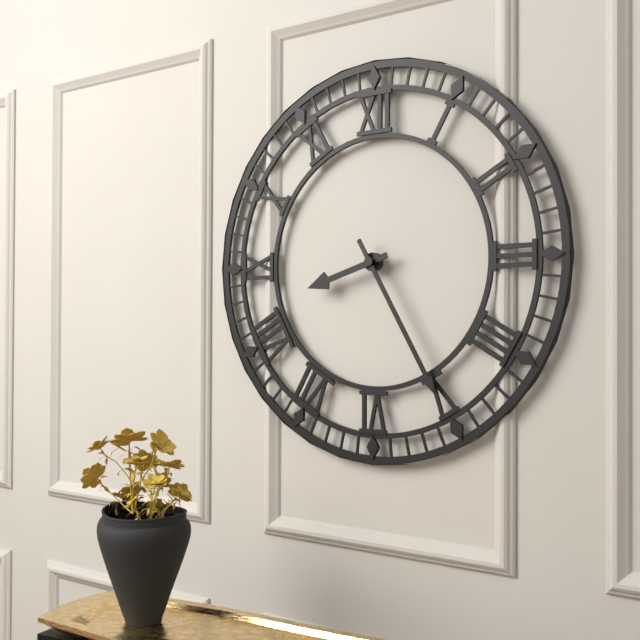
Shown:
8.25
